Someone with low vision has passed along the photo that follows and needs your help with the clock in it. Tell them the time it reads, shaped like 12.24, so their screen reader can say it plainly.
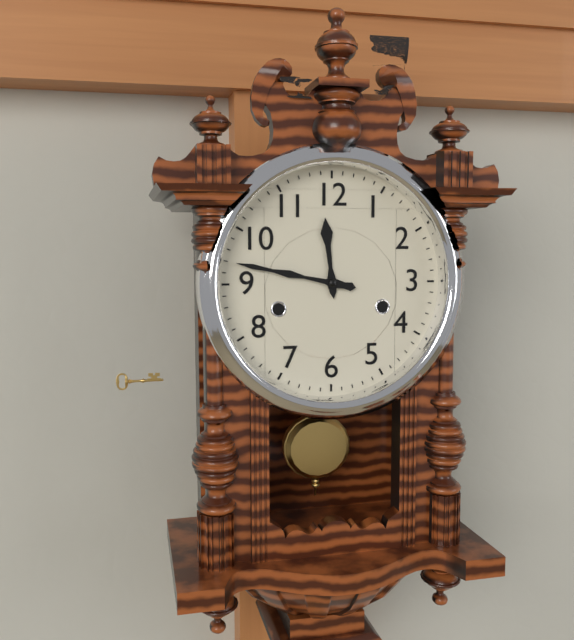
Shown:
11.47
